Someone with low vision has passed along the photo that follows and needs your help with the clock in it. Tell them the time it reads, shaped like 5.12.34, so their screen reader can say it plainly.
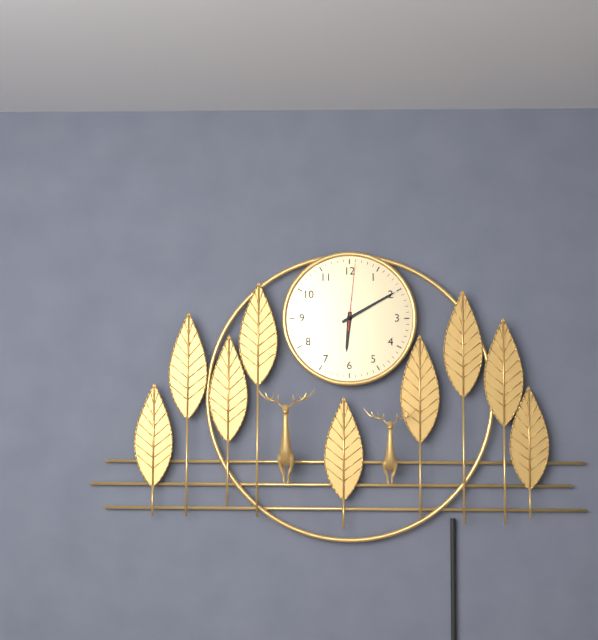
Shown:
6.10.01
